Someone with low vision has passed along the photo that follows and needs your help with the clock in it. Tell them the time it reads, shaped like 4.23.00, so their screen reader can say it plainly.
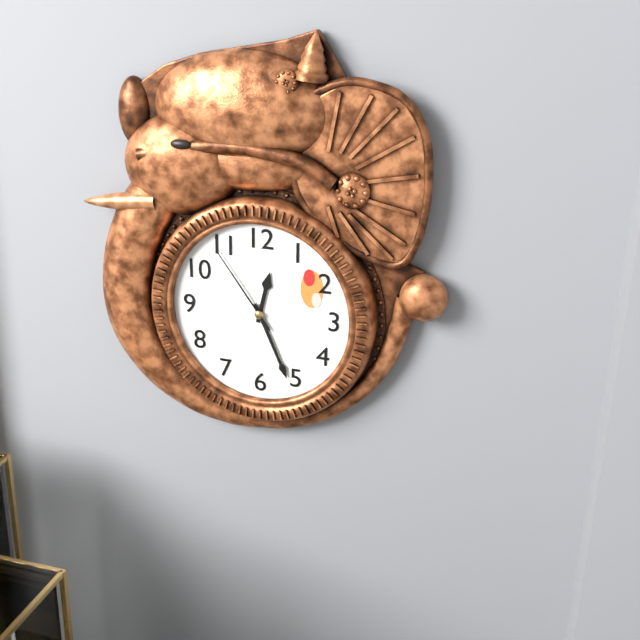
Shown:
12.26.54
